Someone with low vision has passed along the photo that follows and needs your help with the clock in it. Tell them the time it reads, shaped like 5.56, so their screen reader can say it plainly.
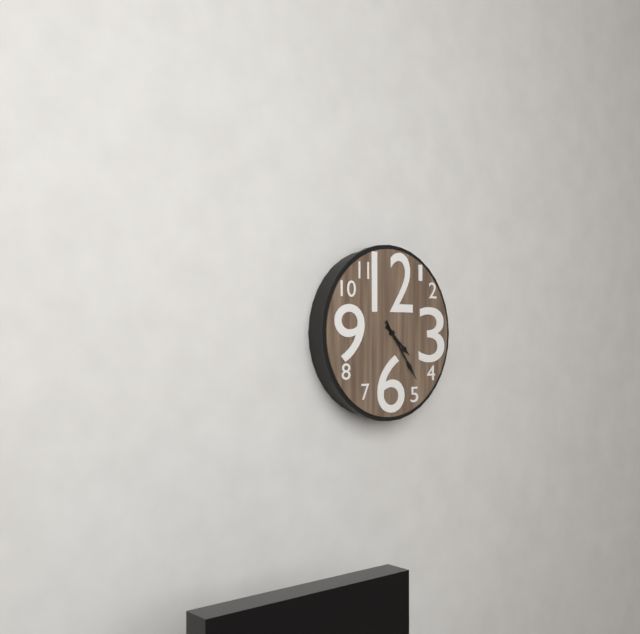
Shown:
4.24
